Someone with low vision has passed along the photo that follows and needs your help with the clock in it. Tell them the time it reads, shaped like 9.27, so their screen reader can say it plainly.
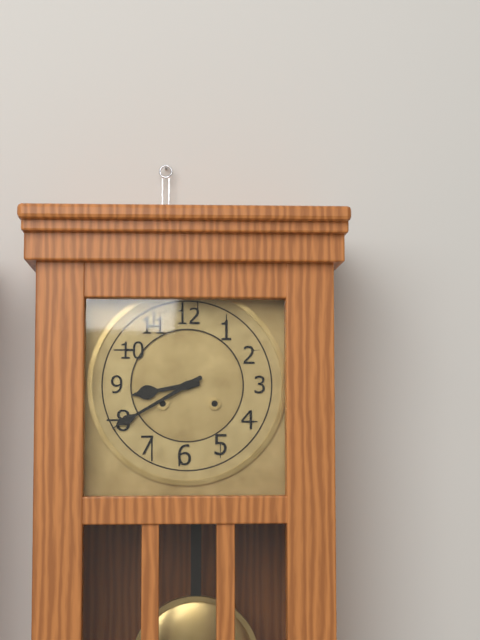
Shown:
8.40
